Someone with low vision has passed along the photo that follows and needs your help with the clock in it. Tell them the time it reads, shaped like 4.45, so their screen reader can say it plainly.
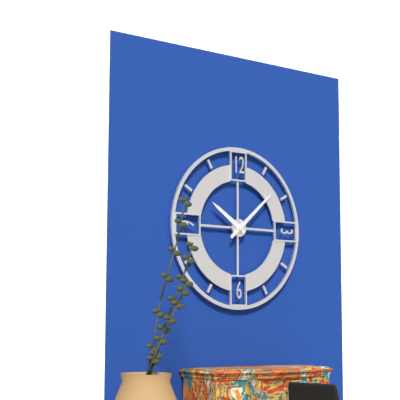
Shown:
10.08
